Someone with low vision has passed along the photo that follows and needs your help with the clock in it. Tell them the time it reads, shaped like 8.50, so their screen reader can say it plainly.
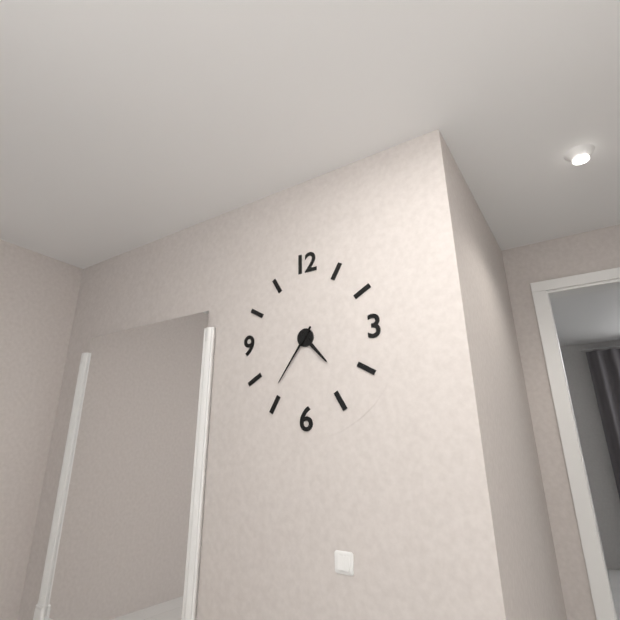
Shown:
4.36
